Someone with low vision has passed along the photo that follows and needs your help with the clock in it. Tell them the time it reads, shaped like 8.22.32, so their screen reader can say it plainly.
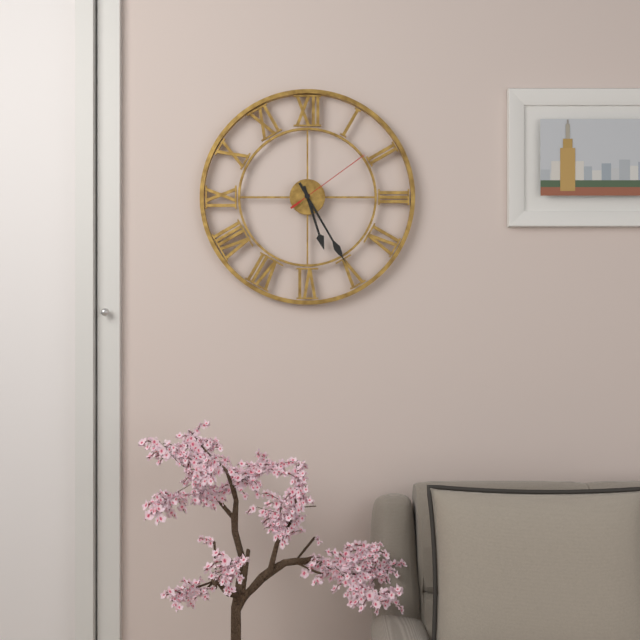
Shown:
5.25.09
